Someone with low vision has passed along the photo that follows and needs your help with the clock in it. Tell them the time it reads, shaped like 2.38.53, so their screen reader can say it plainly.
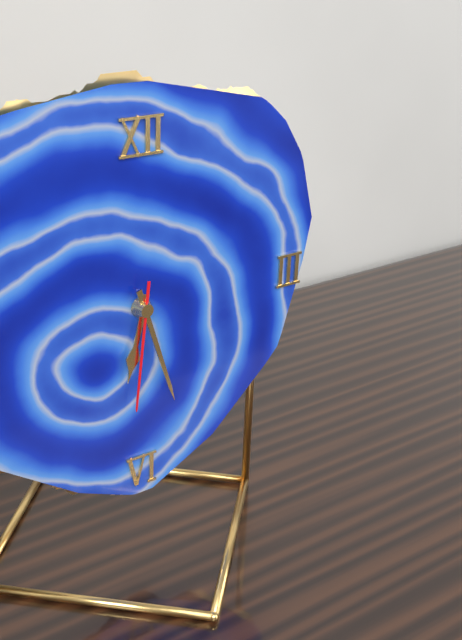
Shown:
6.27.31
